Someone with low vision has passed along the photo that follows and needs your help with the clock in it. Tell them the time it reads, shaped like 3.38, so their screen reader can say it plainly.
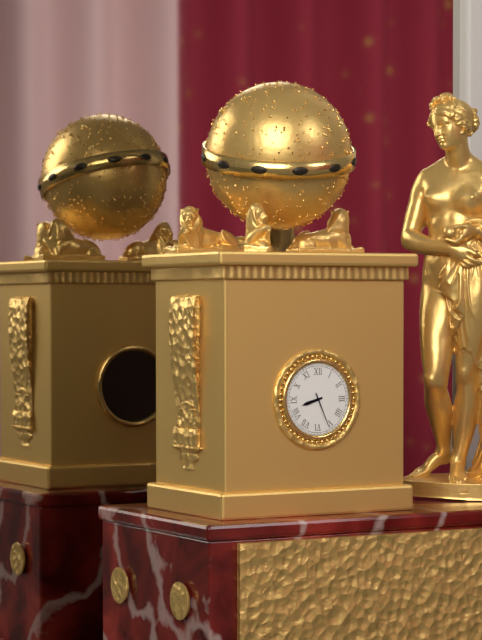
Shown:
8.26
